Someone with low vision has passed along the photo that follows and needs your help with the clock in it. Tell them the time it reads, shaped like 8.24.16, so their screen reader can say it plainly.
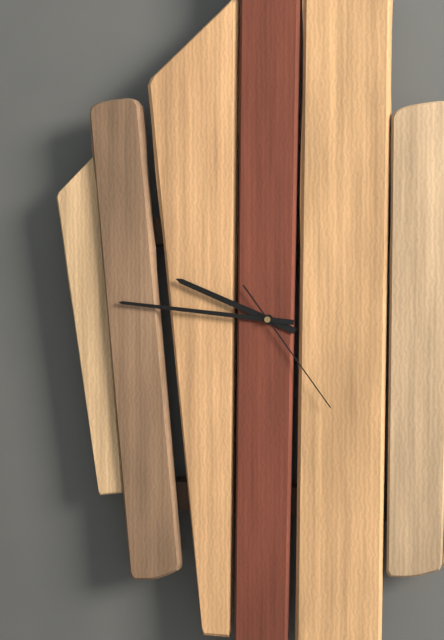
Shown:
9.46.24
